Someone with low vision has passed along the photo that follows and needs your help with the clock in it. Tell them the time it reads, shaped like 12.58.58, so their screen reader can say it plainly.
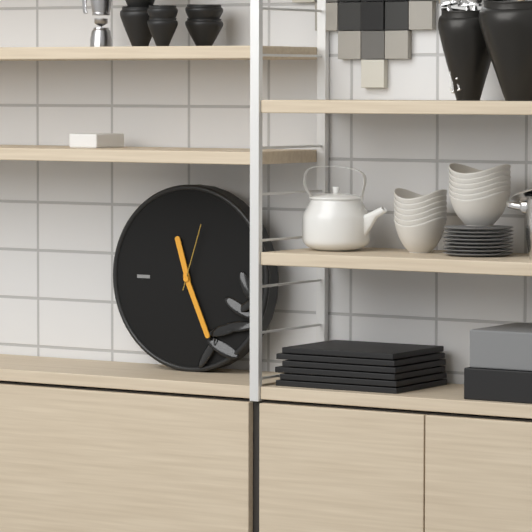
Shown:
11.26.03
